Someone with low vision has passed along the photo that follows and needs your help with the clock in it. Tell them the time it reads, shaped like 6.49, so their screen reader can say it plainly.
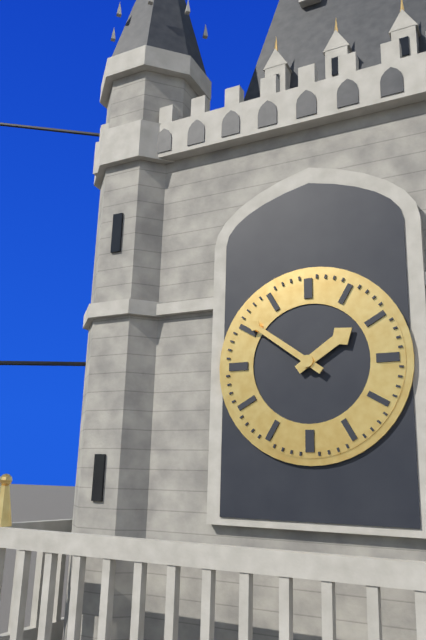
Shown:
1.51
